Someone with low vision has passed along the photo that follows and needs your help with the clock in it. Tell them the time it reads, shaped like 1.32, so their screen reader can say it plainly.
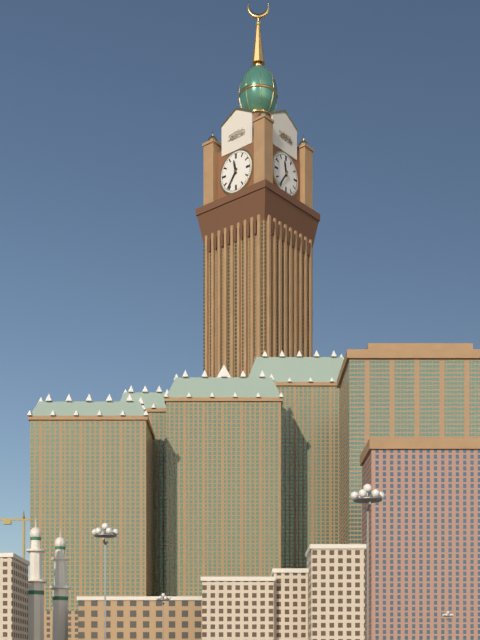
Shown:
11.36
